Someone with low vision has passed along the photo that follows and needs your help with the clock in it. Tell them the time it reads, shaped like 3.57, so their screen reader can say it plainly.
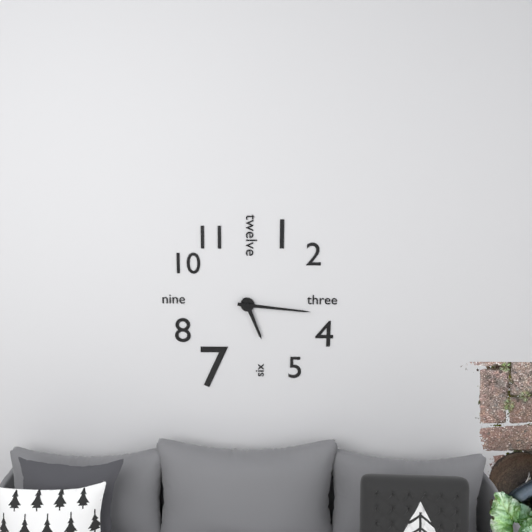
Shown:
5.16
